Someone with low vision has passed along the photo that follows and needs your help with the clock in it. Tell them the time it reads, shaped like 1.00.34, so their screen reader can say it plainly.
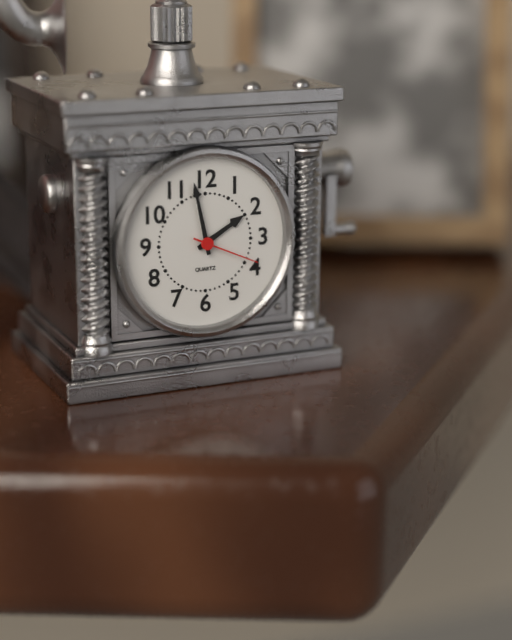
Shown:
1.58.19
